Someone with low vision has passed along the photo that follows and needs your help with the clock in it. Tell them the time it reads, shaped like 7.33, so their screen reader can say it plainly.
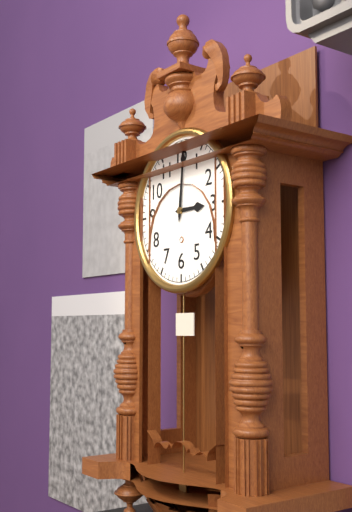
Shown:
3.01
